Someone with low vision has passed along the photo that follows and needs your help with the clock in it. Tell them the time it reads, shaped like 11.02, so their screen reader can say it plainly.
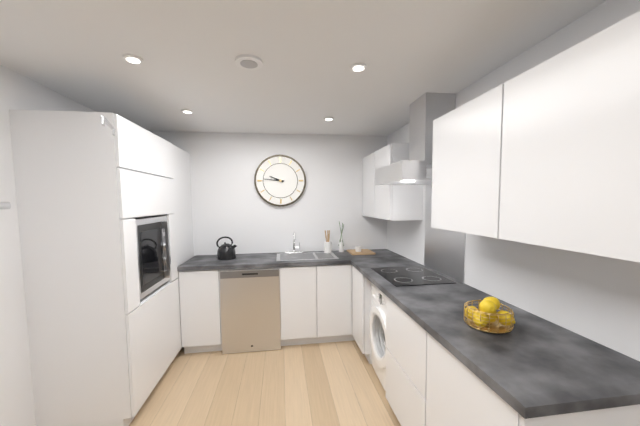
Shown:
9.46
